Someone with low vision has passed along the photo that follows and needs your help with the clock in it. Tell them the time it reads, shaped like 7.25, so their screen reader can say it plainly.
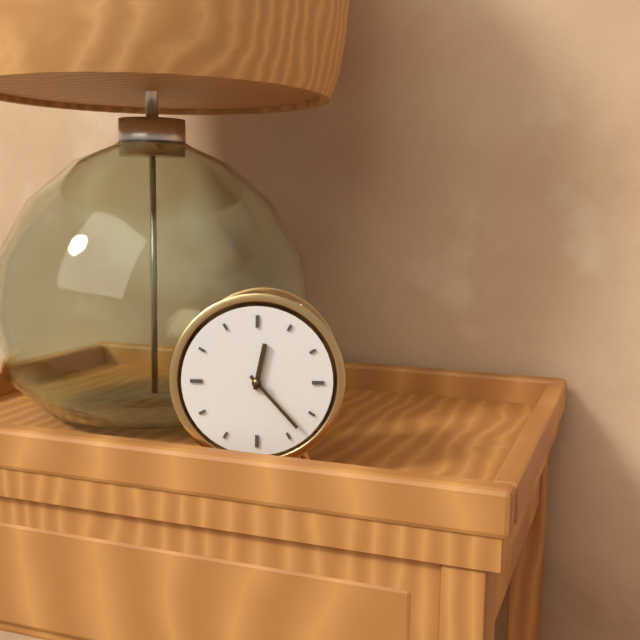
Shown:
12.23
